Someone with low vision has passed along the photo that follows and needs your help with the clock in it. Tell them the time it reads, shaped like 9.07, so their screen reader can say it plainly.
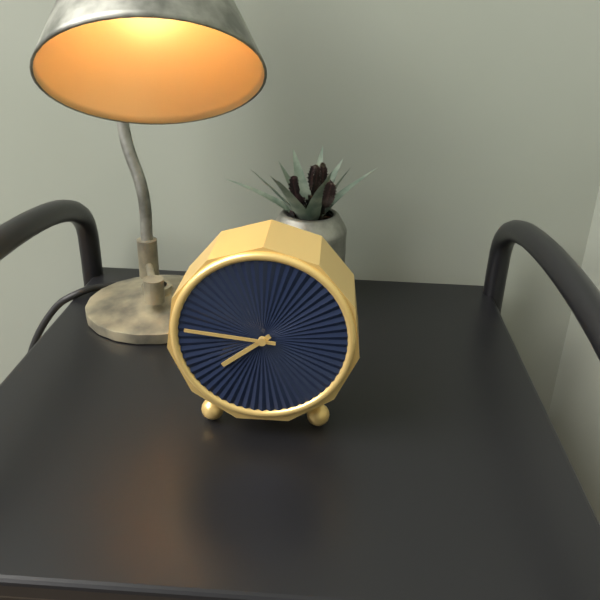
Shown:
7.46
